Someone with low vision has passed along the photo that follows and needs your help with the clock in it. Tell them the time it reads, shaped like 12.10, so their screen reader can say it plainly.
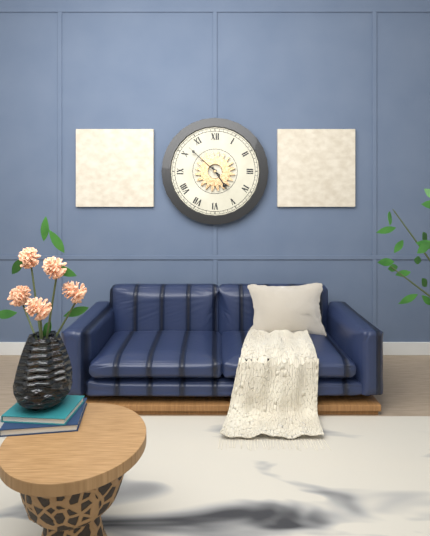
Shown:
4.52
